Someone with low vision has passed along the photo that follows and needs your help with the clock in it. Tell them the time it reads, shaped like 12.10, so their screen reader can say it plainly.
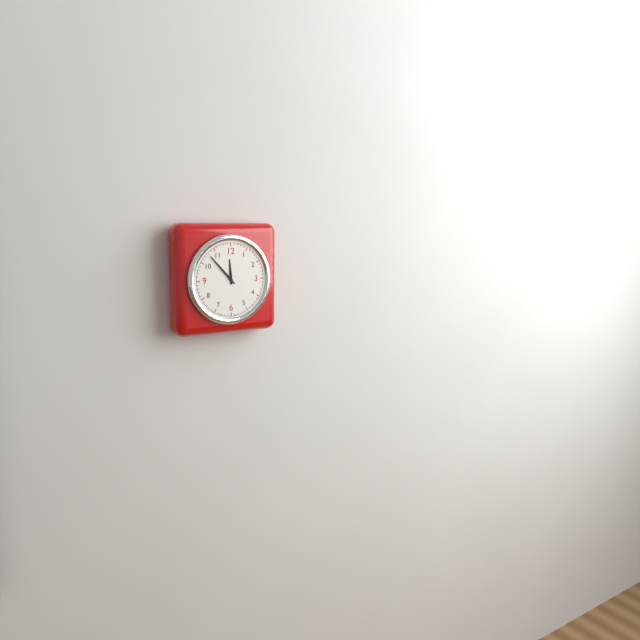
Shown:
11.53
